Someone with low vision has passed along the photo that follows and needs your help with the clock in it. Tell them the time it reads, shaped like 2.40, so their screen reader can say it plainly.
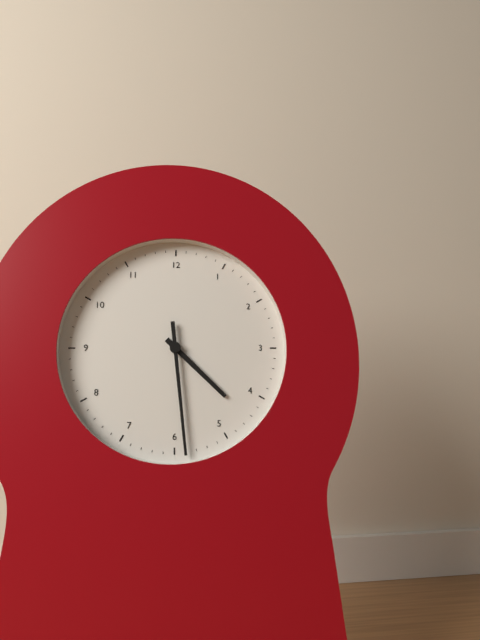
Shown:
4.29
